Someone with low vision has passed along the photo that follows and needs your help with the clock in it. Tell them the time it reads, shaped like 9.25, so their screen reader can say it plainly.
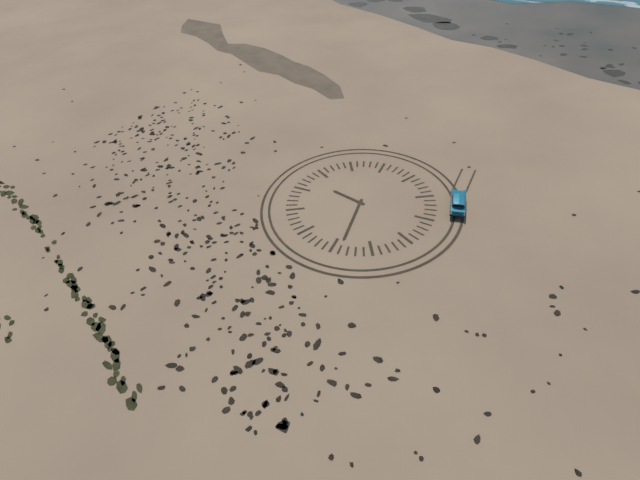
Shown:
9.29
